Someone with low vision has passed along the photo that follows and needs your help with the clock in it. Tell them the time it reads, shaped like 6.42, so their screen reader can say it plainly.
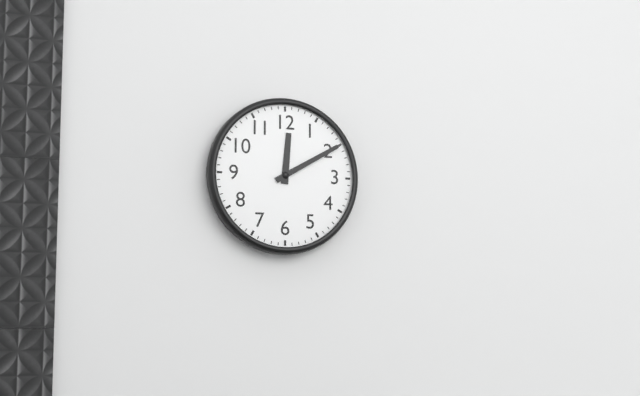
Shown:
12.10
